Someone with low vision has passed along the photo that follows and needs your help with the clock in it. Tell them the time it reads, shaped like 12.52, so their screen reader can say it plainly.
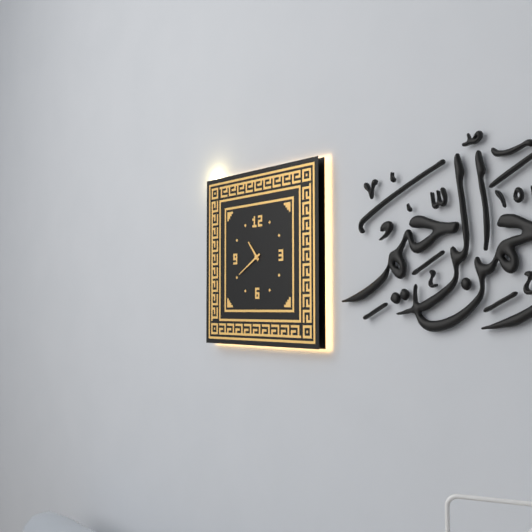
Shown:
10.40
